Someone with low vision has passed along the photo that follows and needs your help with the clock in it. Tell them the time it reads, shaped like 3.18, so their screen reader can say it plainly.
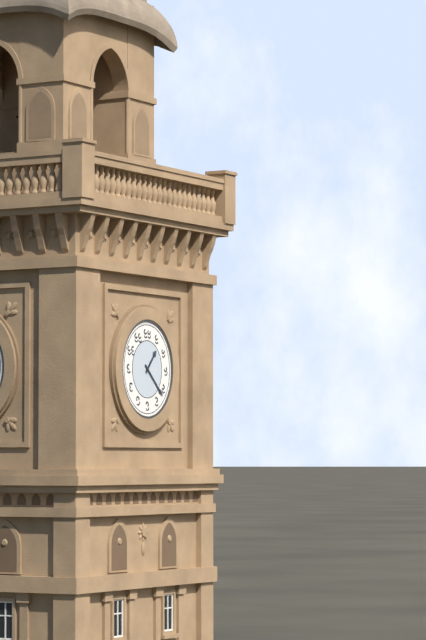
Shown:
1.22
